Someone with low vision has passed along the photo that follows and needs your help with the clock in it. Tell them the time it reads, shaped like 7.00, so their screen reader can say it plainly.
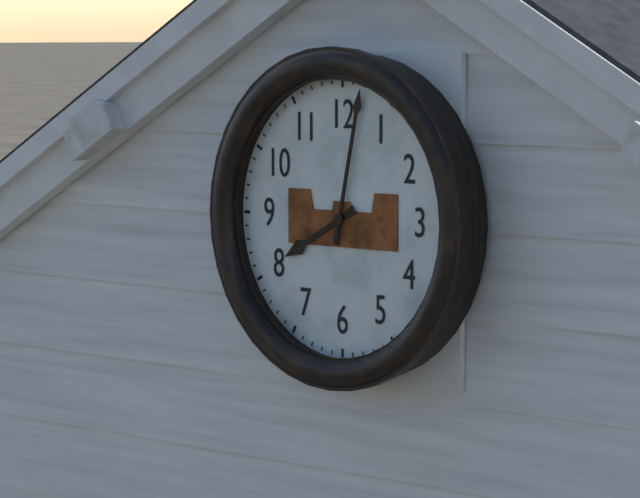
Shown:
8.02
